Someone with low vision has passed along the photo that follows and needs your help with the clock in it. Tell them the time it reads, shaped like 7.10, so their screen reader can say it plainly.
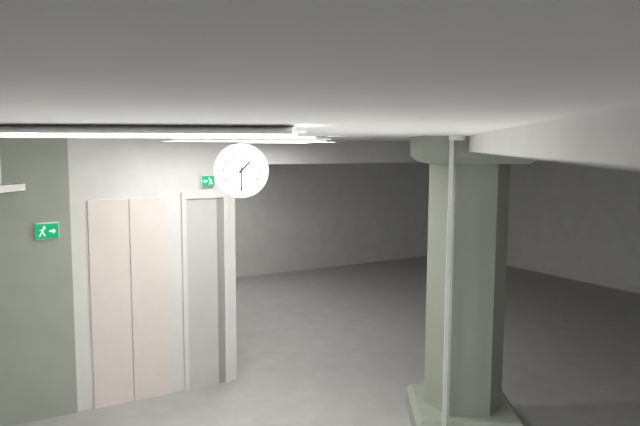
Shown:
1.30
